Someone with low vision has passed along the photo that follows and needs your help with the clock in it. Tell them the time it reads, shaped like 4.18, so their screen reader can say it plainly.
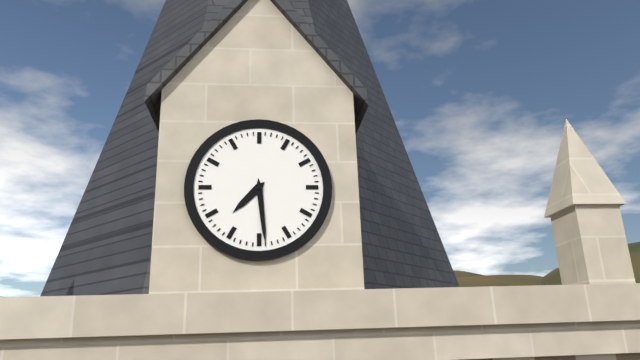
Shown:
7.29
